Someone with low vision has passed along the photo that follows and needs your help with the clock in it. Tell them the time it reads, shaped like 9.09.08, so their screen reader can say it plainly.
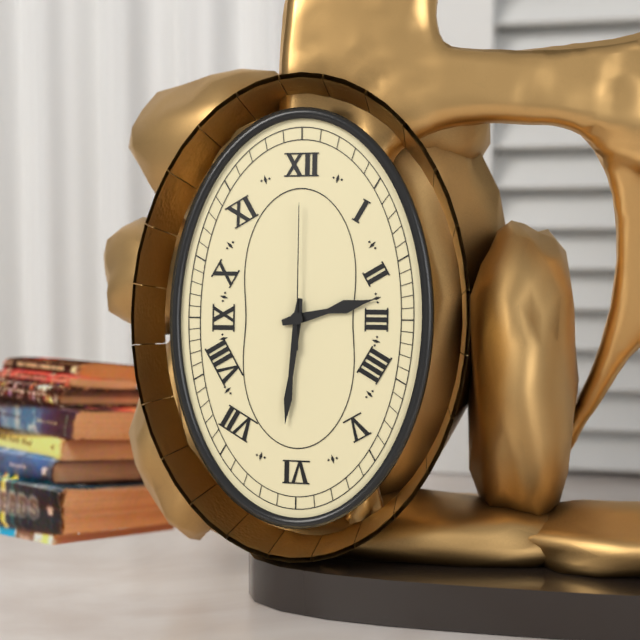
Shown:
2.31.00
